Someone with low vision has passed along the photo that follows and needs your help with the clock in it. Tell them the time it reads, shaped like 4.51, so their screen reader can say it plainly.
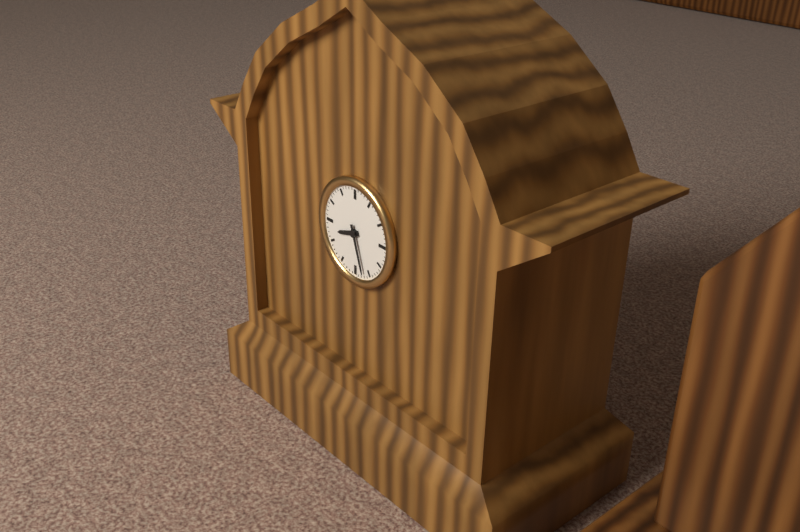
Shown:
8.27
